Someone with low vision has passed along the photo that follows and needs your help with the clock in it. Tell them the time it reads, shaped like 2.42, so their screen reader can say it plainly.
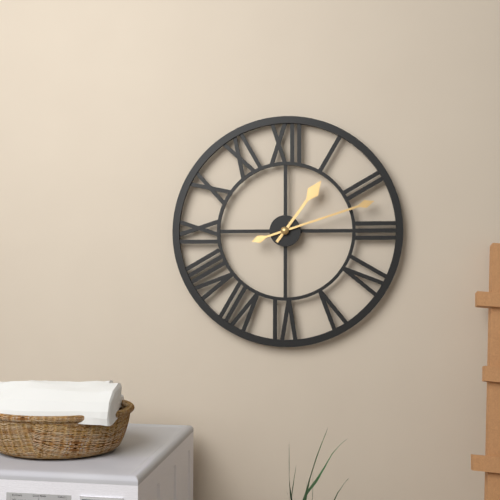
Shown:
1.12
